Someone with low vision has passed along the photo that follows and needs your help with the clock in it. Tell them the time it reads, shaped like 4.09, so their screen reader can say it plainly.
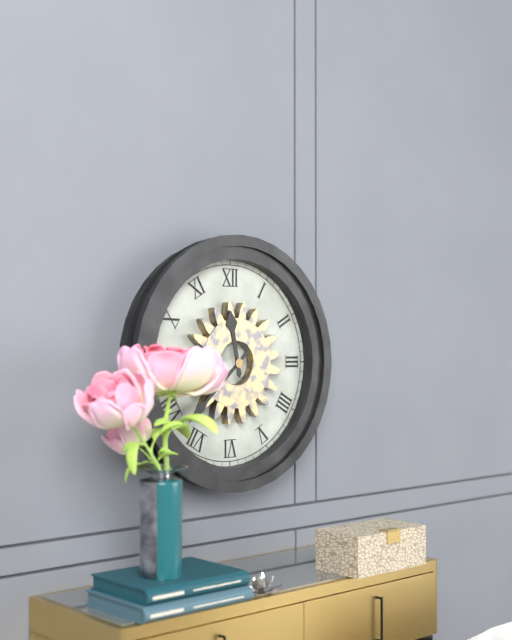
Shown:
11.38
